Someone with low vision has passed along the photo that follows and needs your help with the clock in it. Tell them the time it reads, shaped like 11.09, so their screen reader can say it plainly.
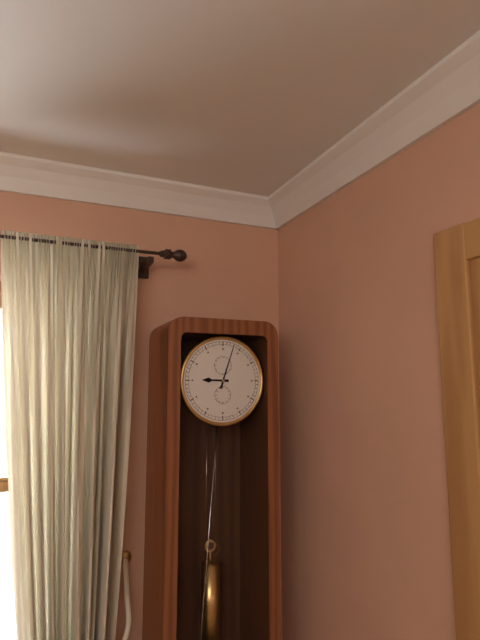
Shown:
9.03
